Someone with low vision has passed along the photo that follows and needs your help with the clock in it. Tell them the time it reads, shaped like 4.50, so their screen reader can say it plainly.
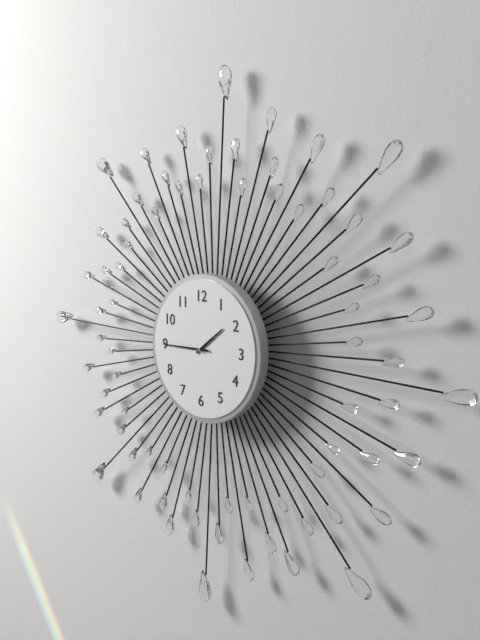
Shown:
1.45
